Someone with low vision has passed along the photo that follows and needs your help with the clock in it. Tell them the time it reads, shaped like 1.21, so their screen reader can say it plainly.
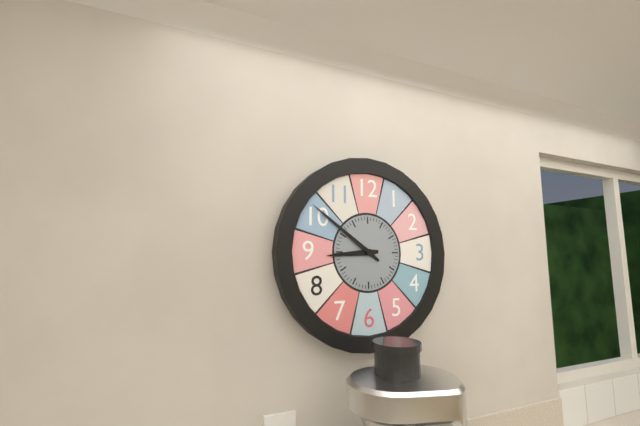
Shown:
8.51
